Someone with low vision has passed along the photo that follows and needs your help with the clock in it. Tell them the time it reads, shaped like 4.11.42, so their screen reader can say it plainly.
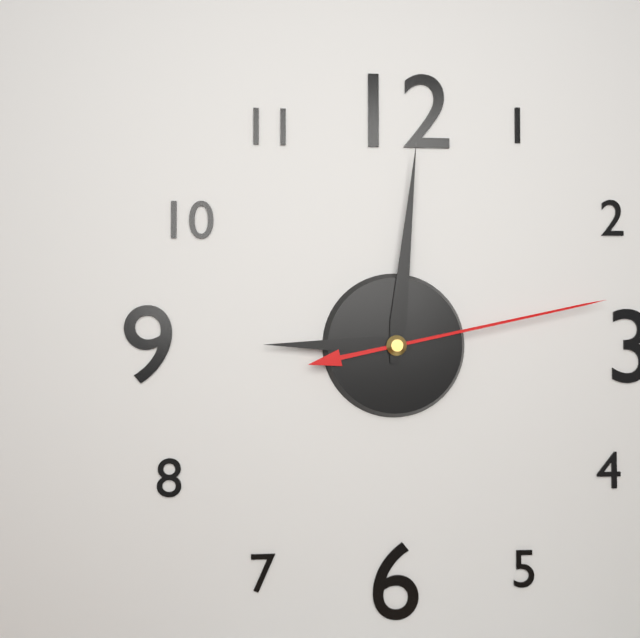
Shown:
9.01.13
